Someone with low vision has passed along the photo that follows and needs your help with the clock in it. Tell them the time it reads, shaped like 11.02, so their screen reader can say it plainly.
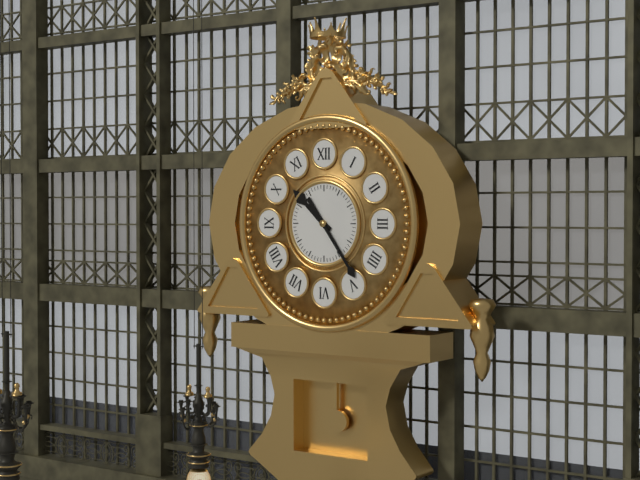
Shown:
10.24
